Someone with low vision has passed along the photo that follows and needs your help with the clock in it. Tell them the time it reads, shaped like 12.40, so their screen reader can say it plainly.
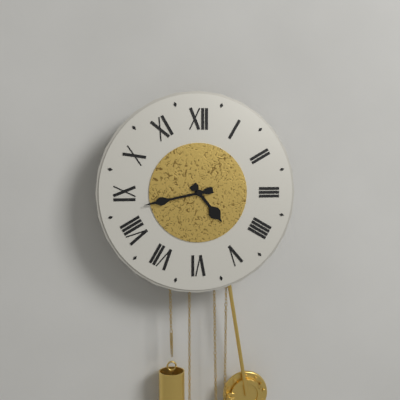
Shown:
4.43
